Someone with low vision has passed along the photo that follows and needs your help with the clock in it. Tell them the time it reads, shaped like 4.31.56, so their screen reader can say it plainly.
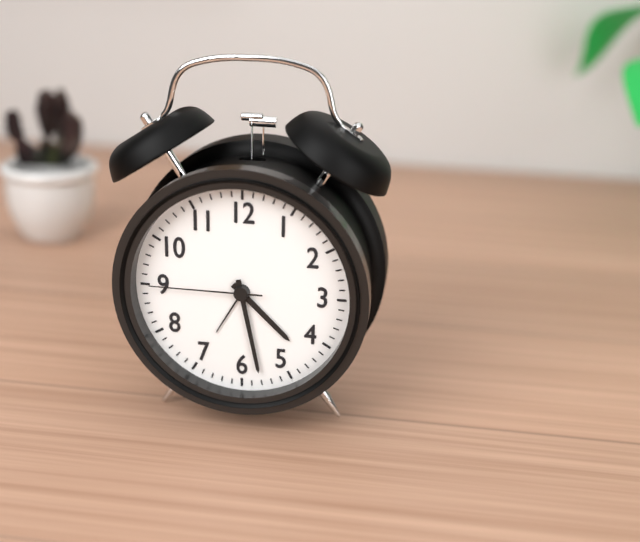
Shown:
4.28.45
